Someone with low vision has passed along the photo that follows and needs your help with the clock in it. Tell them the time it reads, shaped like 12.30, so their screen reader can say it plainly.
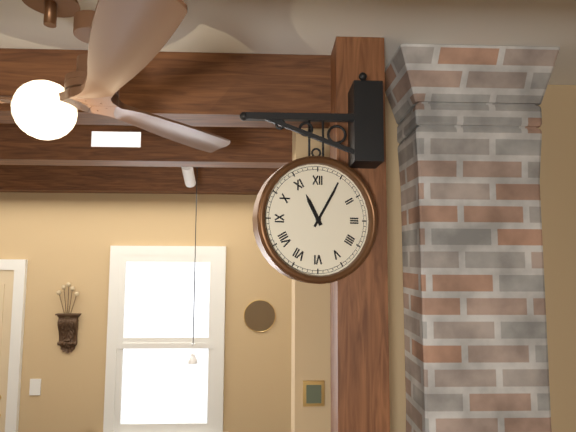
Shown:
11.05
